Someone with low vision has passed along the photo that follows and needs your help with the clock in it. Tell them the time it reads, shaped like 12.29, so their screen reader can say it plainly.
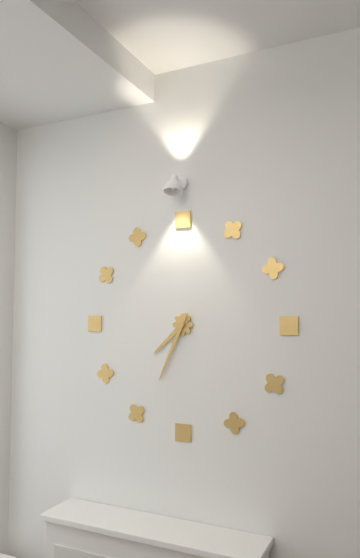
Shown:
7.34
